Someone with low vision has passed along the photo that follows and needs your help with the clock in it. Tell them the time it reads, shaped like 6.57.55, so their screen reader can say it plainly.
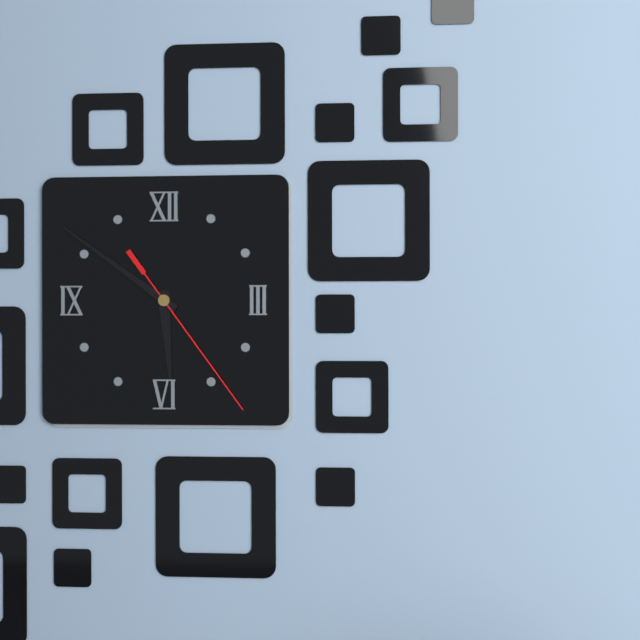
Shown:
5.51.24
